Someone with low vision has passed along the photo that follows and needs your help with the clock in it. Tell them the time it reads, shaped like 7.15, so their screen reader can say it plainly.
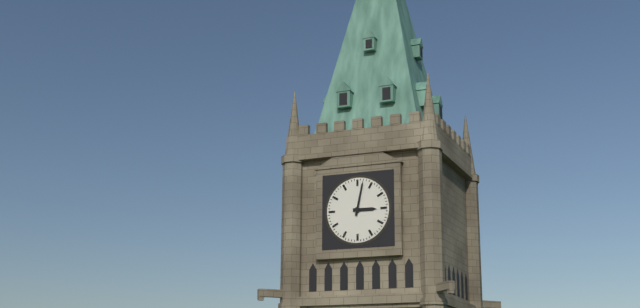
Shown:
3.02
